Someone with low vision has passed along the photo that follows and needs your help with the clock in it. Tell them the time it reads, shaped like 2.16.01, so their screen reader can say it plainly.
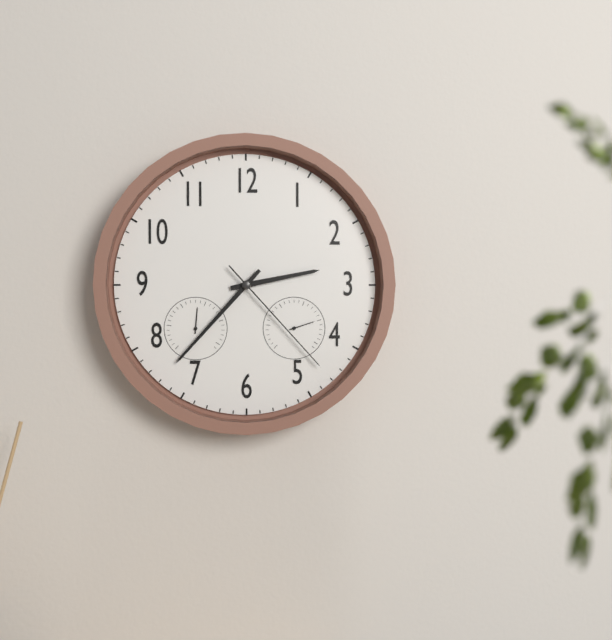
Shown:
2.37.23
